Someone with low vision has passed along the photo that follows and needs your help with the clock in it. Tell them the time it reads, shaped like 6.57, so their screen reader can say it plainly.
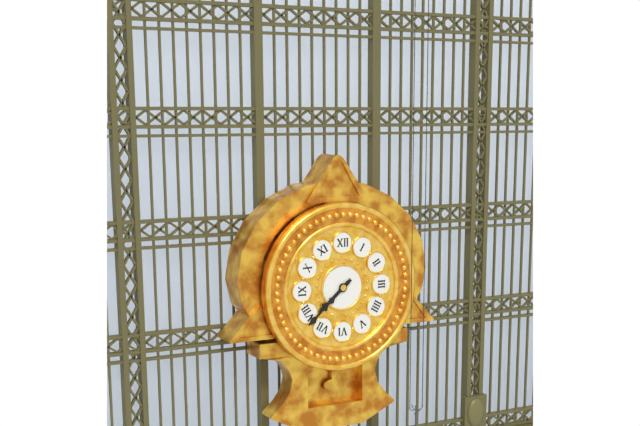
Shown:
7.38
